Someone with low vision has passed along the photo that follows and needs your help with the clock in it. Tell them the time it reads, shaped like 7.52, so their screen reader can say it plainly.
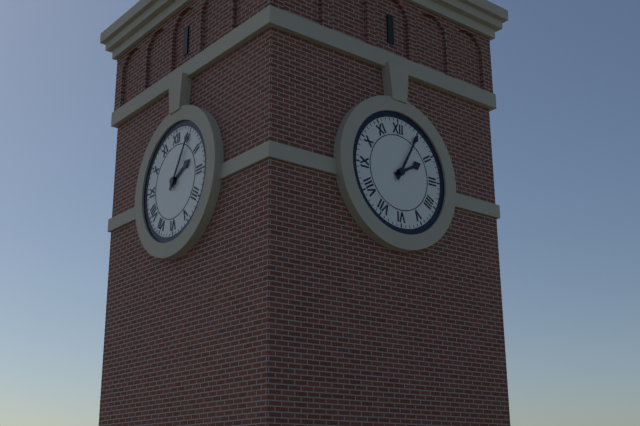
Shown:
2.05
